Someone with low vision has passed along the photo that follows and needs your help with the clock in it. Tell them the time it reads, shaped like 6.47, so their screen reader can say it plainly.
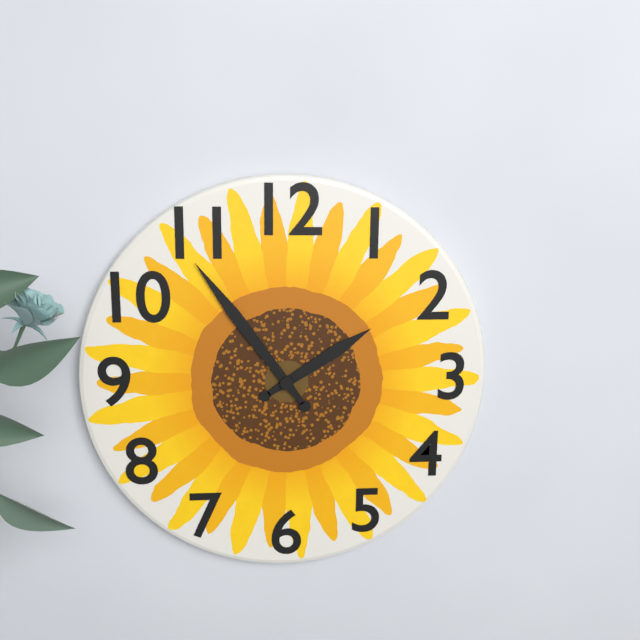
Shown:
1.54
